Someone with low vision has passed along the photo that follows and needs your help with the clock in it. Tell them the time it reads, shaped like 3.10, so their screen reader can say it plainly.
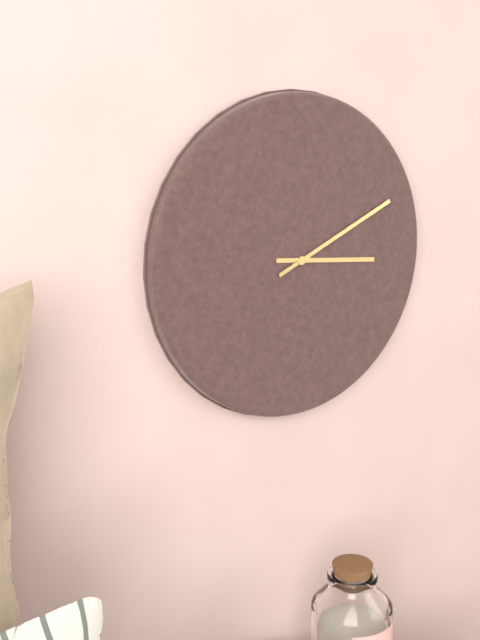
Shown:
3.11
